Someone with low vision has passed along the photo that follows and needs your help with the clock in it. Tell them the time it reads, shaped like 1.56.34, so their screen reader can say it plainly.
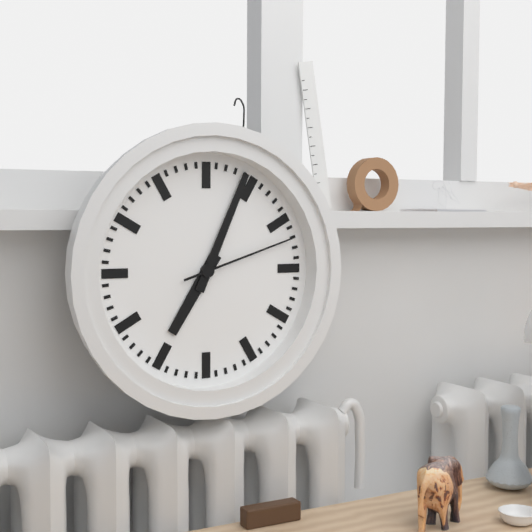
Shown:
7.04.12
